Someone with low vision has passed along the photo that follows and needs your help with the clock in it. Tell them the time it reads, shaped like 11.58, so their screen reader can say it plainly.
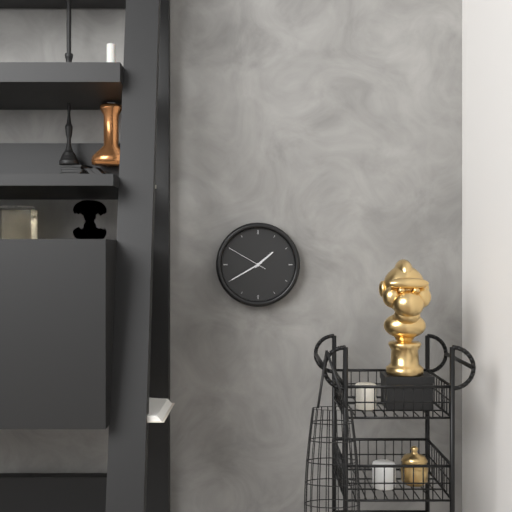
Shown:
1.40
